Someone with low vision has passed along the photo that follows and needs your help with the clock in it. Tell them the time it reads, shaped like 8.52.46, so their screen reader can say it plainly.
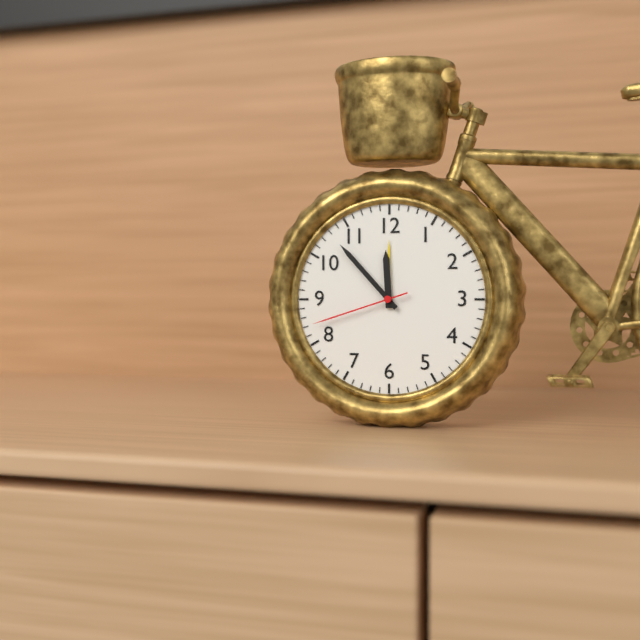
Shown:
11.53.42
